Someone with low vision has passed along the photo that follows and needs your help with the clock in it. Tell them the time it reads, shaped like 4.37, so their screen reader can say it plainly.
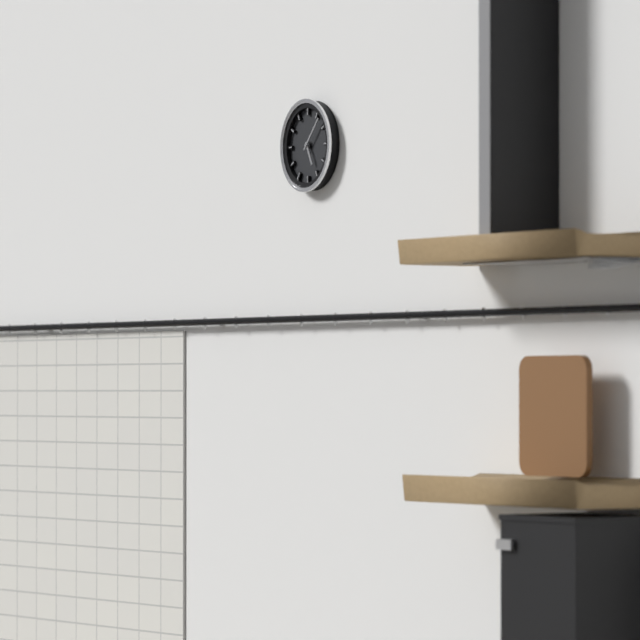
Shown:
5.07
